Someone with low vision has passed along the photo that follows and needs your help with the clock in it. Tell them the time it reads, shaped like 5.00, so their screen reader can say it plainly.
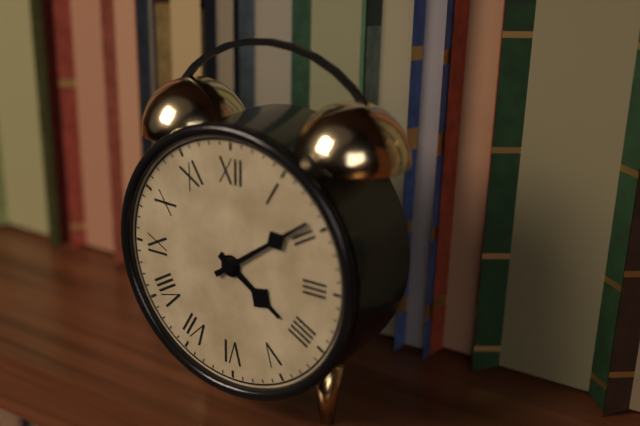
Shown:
4.09
